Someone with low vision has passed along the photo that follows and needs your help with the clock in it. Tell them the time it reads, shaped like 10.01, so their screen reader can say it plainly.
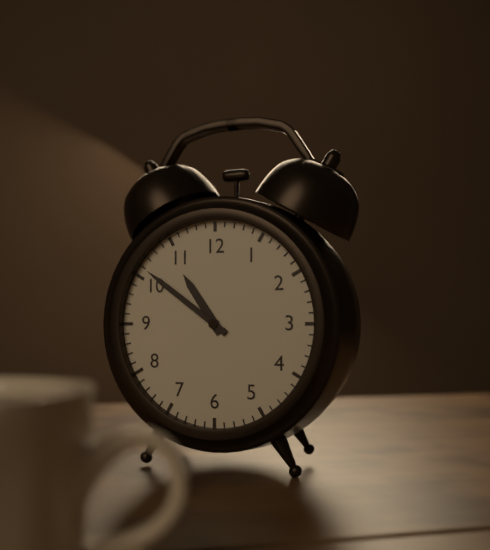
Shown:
10.51
